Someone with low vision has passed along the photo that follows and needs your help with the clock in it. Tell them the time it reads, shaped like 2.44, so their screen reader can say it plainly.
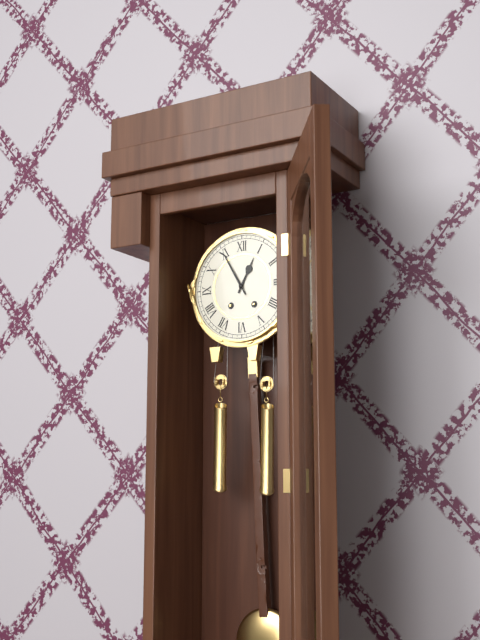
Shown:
12.55
